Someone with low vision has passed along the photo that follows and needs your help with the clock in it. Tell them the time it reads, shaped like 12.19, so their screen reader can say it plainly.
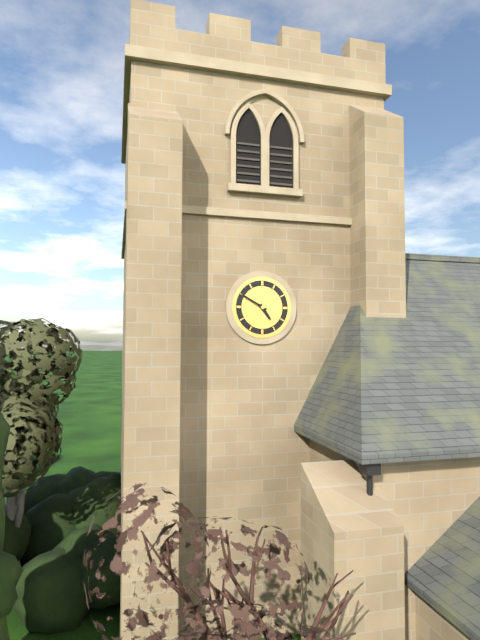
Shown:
4.50
